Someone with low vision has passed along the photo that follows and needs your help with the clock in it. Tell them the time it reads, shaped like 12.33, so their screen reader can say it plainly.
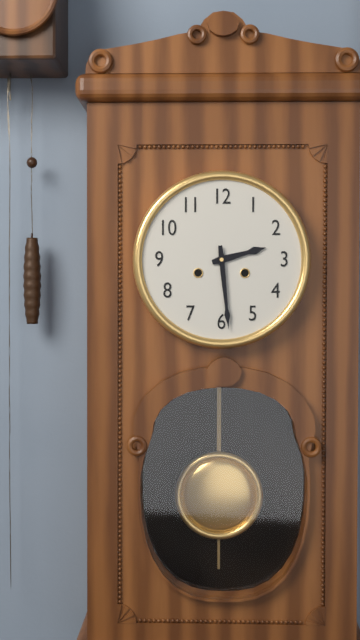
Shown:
2.29
